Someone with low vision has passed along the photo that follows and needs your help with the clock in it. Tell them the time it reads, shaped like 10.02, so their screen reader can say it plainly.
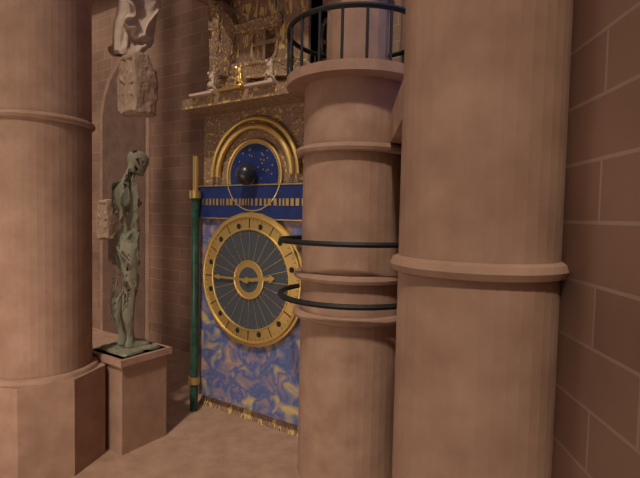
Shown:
2.45
